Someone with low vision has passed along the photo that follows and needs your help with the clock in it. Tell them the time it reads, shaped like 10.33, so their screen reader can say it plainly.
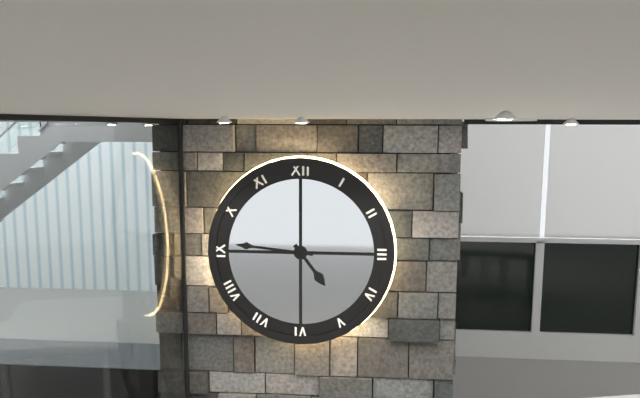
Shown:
4.46
